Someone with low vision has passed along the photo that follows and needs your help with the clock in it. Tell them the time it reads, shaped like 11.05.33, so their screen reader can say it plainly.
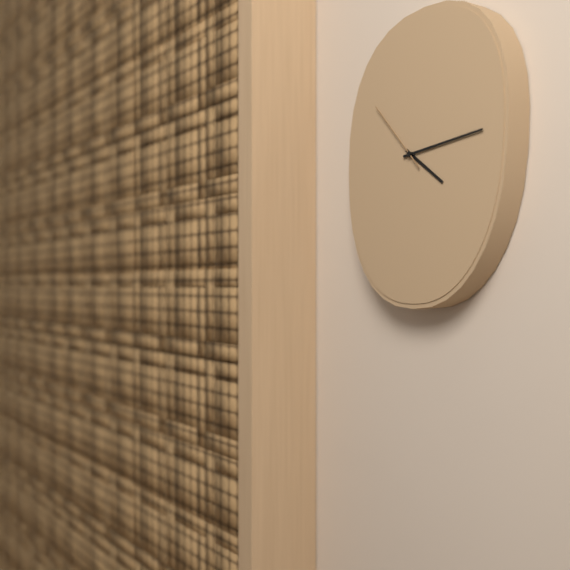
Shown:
4.14.53
